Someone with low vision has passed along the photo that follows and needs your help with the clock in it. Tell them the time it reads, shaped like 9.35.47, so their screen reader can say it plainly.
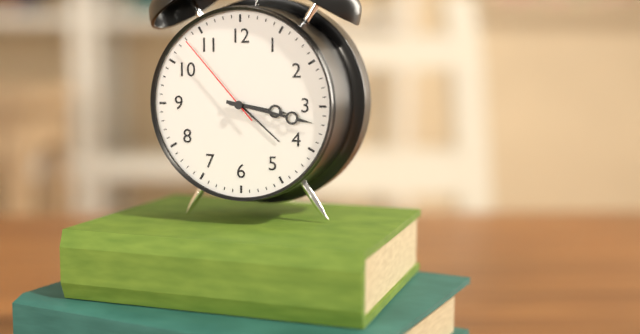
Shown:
3.17.53
